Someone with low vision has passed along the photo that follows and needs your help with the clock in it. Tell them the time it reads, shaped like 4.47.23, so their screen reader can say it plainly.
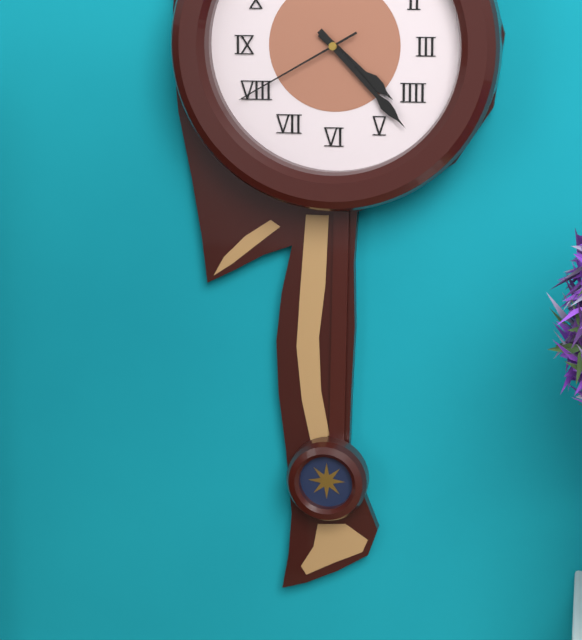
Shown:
4.23.40
